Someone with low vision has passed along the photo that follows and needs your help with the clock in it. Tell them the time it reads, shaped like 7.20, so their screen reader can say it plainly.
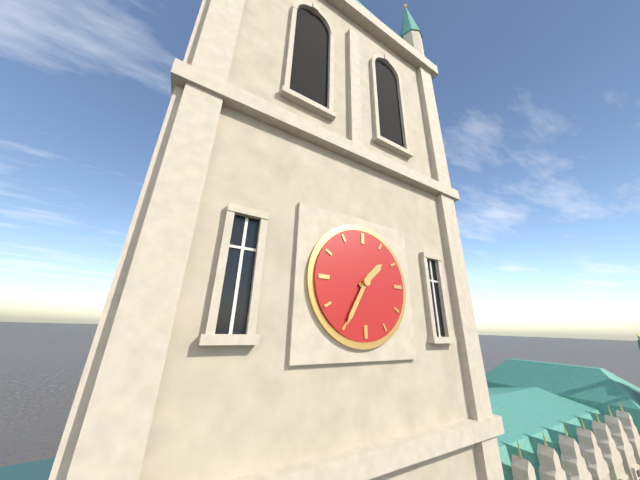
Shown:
1.35
